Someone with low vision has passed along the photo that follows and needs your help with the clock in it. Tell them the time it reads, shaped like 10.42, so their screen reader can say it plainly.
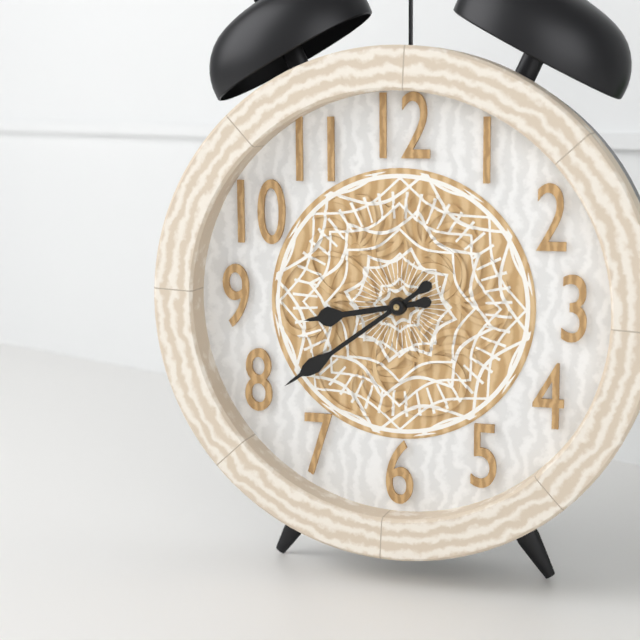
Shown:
8.39
